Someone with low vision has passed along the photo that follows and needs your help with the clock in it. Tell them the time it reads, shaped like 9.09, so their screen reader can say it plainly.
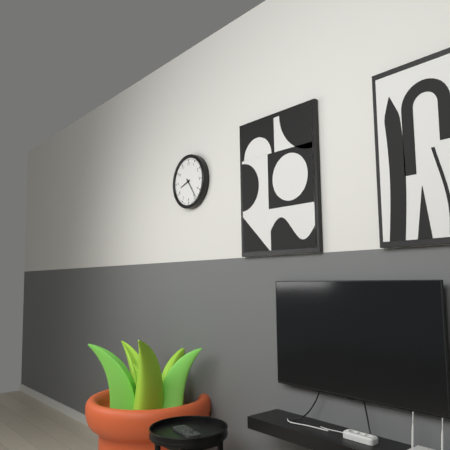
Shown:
8.24
